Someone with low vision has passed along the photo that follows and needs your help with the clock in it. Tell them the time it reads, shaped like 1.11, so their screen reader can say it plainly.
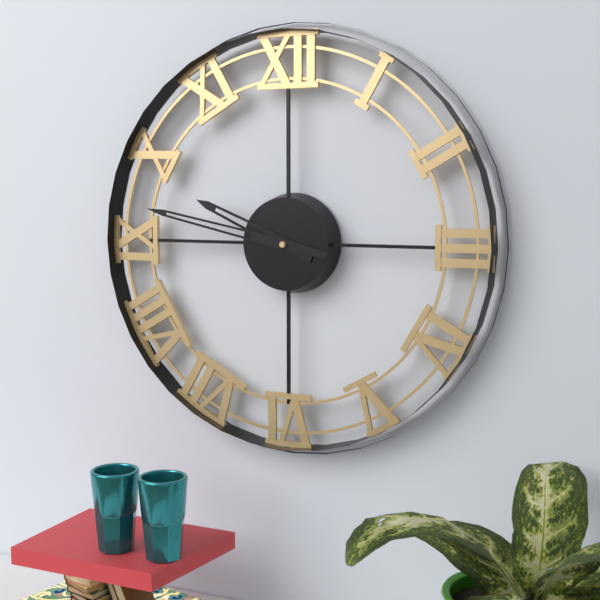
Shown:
9.47
